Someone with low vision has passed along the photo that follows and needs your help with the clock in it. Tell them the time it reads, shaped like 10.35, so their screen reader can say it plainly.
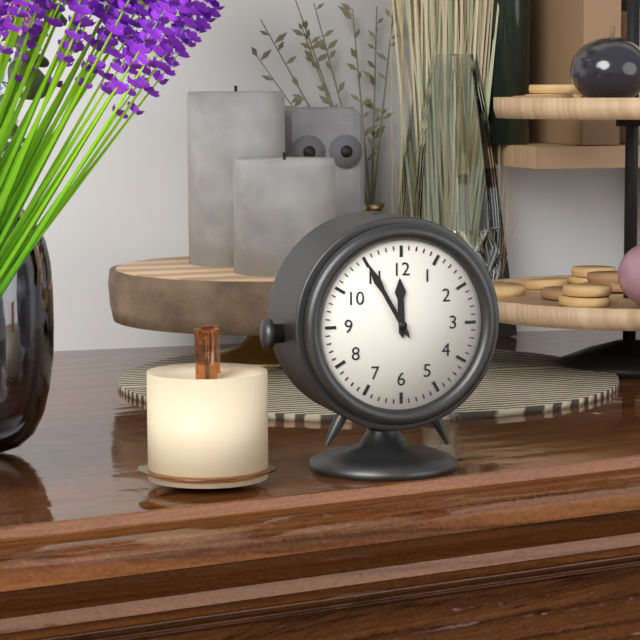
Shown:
11.55
